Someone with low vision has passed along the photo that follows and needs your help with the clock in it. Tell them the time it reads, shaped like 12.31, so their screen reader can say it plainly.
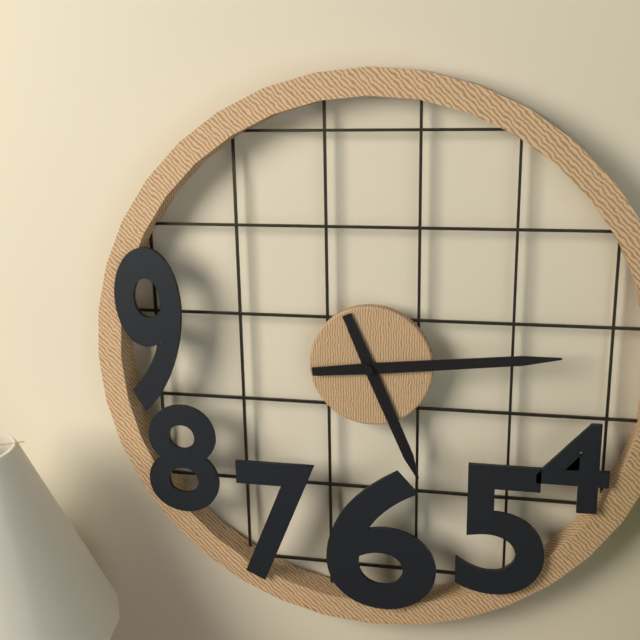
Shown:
5.14
